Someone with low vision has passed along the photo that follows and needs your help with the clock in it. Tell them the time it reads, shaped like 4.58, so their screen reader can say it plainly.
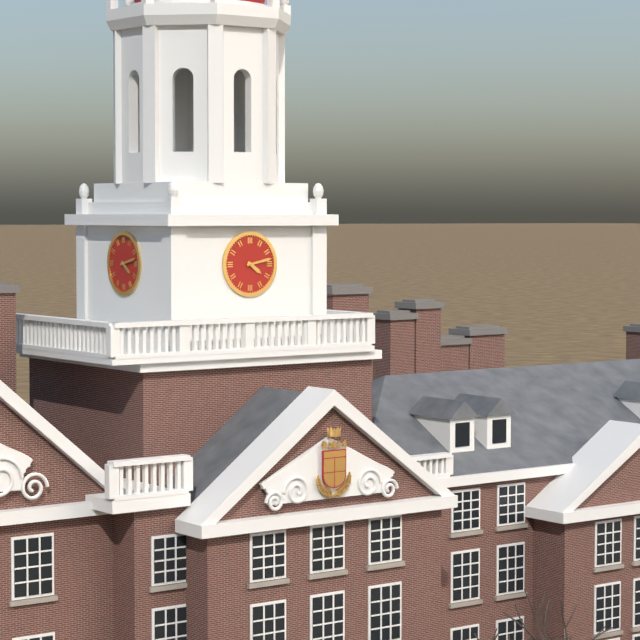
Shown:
4.13
